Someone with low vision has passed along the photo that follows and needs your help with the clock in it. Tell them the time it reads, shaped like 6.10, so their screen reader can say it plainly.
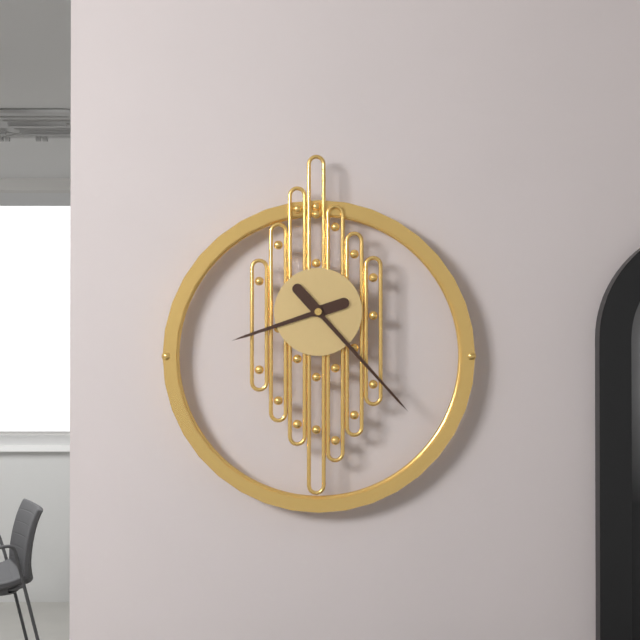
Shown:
8.23
